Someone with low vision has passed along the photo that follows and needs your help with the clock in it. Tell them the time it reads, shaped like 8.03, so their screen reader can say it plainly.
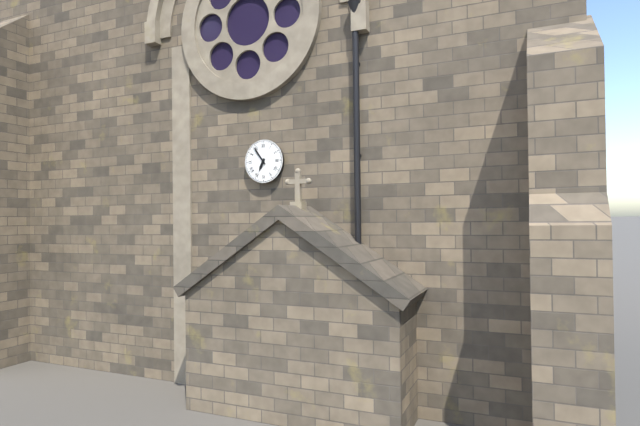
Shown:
6.54
